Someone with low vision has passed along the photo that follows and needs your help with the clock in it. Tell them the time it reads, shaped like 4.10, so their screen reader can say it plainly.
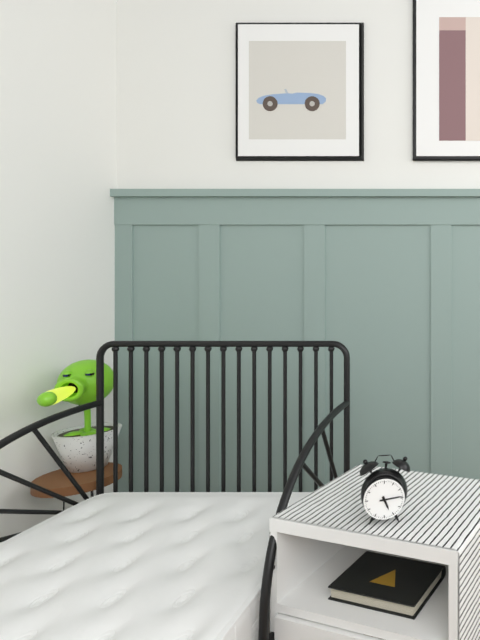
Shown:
5.14
